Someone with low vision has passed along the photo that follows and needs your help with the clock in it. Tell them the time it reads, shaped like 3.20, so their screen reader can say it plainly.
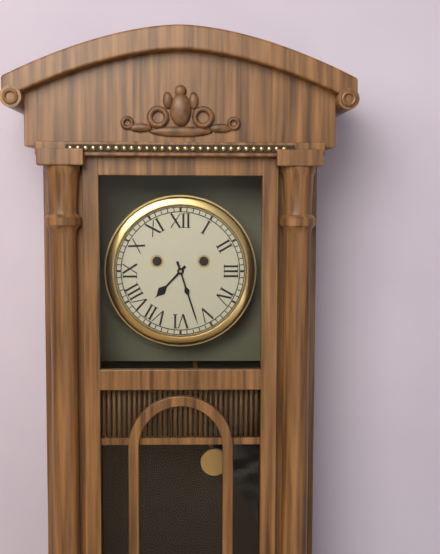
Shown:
7.27
